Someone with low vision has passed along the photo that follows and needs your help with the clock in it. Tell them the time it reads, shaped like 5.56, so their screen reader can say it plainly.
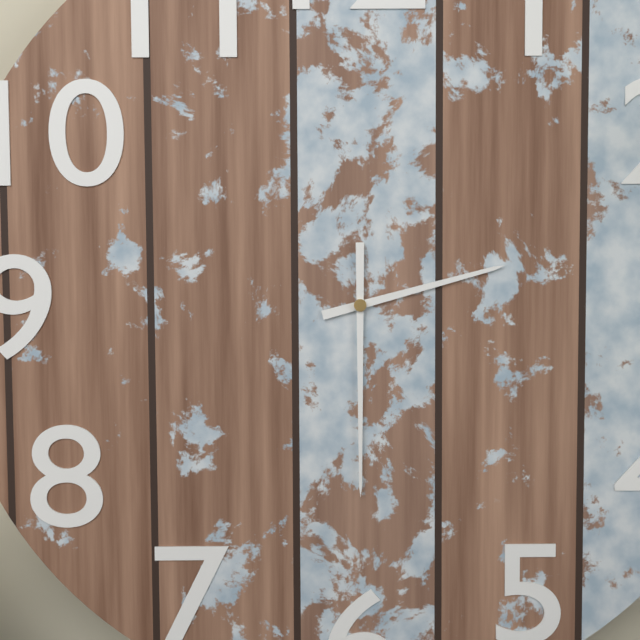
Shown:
2.30
